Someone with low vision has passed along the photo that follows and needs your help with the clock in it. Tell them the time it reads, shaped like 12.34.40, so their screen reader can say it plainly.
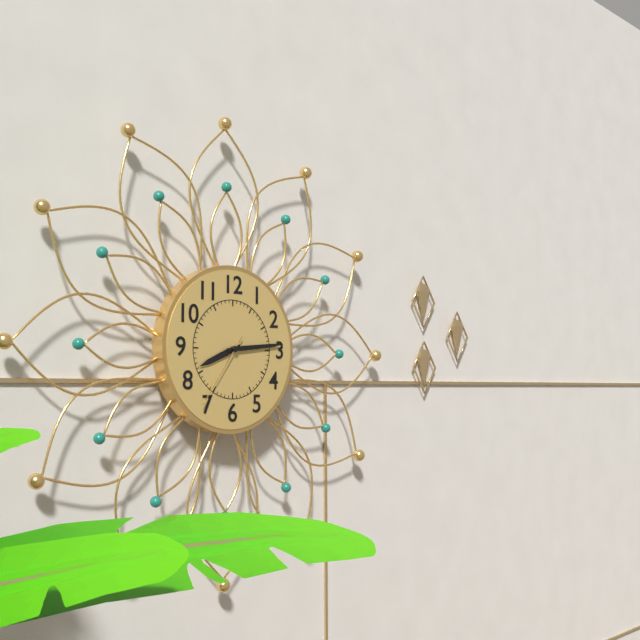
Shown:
8.14.36
